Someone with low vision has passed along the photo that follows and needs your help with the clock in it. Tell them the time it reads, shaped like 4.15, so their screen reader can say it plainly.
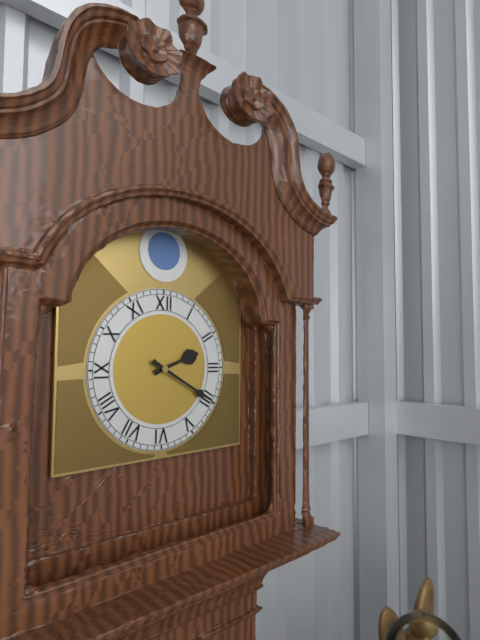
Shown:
2.20
